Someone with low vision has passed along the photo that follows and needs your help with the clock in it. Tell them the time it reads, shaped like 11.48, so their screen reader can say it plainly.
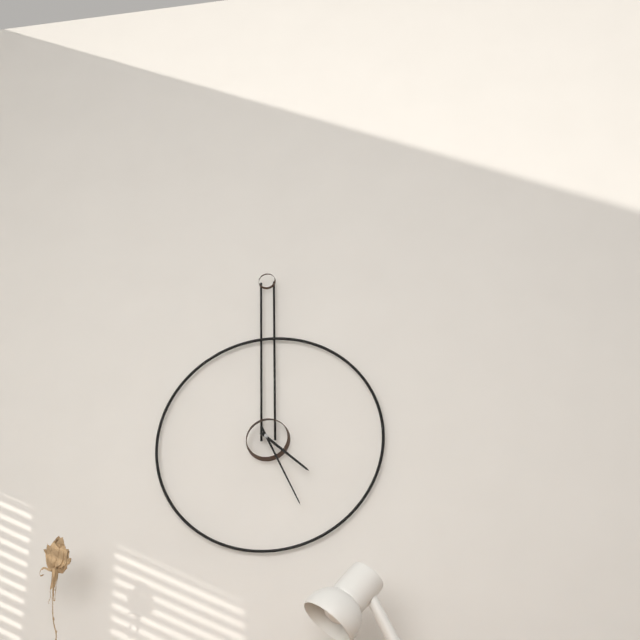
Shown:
4.26
